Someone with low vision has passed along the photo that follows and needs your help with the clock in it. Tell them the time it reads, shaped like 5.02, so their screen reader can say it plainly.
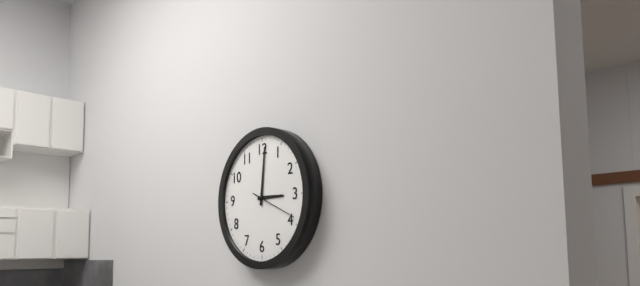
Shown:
3.01
